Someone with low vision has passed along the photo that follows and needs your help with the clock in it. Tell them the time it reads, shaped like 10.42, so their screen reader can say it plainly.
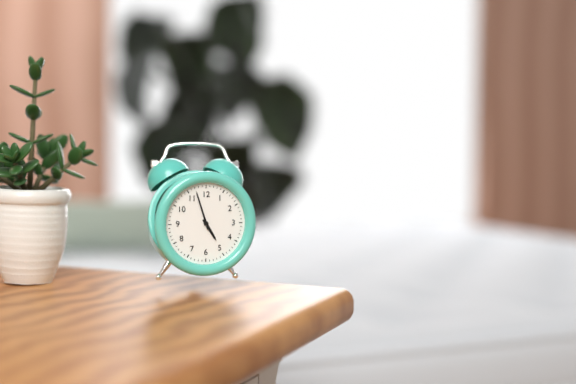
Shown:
4.57
